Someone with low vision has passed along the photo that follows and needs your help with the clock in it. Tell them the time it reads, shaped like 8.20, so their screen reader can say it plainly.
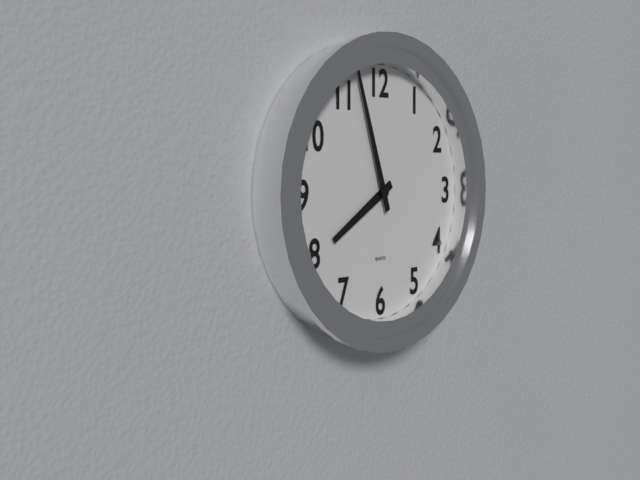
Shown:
7.57
